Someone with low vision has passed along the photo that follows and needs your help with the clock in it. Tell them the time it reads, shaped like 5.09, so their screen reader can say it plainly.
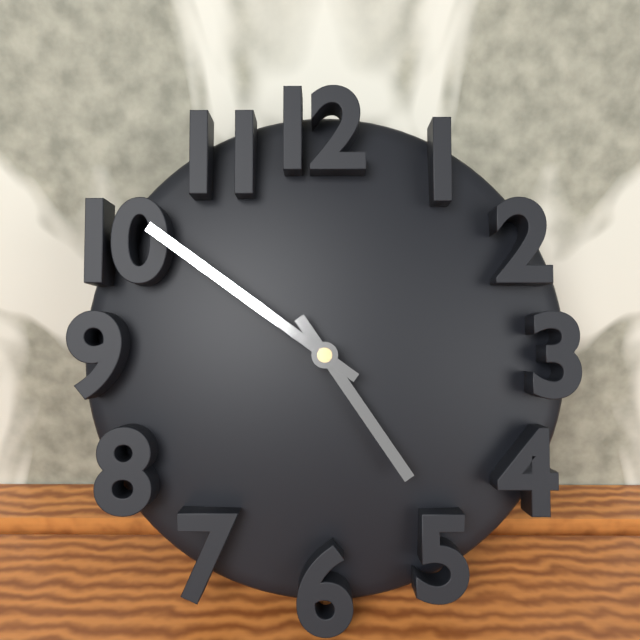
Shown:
4.51
